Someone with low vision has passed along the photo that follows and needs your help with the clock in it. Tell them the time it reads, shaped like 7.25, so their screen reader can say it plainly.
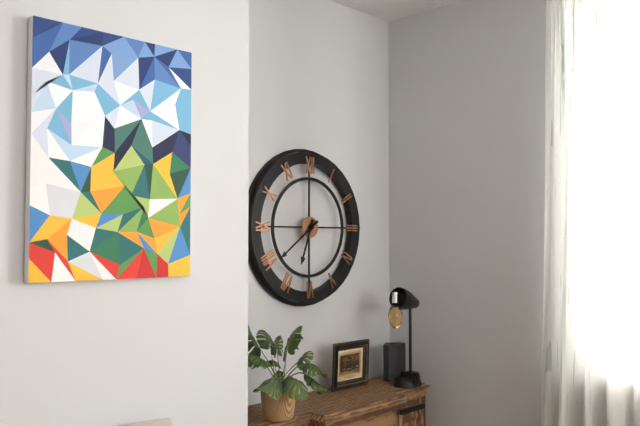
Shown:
6.39
